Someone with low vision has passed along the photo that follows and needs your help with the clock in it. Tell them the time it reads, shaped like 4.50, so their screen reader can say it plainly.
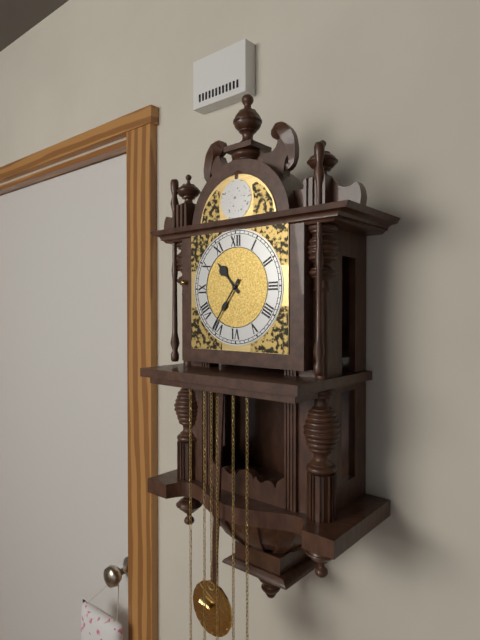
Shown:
10.36
